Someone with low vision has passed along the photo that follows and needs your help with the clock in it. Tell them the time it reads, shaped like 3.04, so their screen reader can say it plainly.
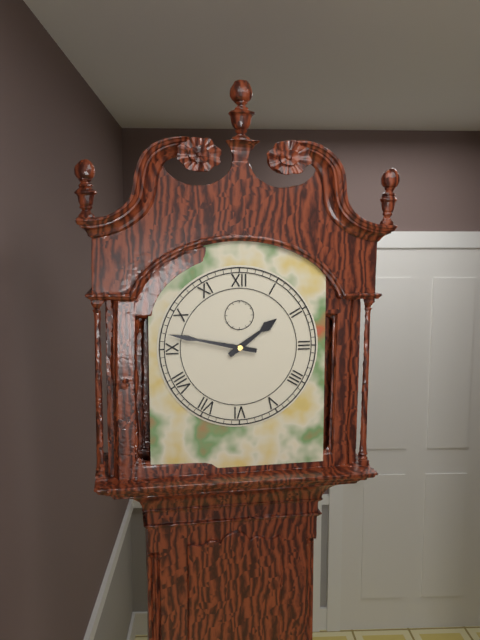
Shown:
1.47
